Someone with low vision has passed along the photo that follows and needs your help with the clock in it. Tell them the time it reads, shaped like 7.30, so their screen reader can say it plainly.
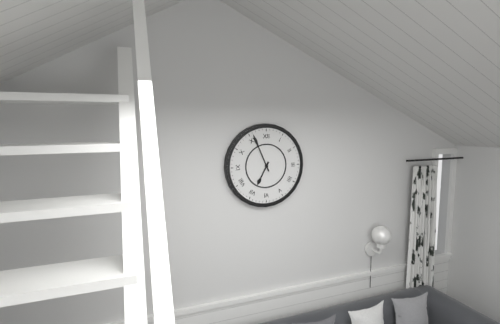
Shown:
6.56
